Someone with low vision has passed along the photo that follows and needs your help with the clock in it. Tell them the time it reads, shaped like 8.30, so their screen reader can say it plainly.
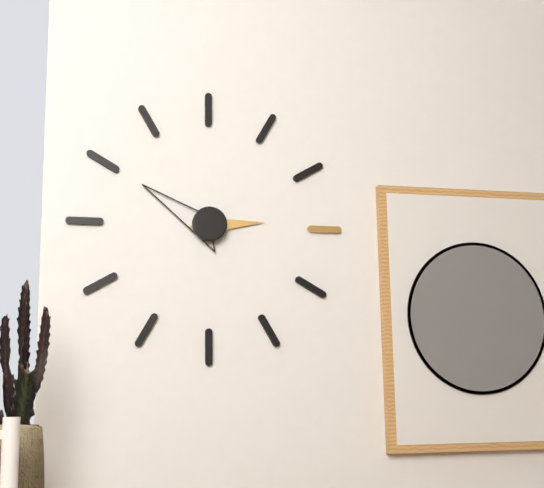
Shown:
2.50
